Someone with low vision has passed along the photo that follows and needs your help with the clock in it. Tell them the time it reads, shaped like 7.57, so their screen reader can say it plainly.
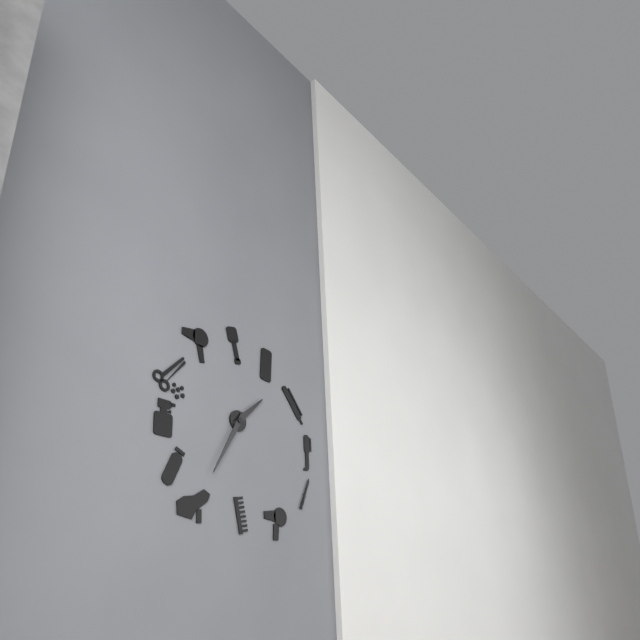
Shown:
1.35
